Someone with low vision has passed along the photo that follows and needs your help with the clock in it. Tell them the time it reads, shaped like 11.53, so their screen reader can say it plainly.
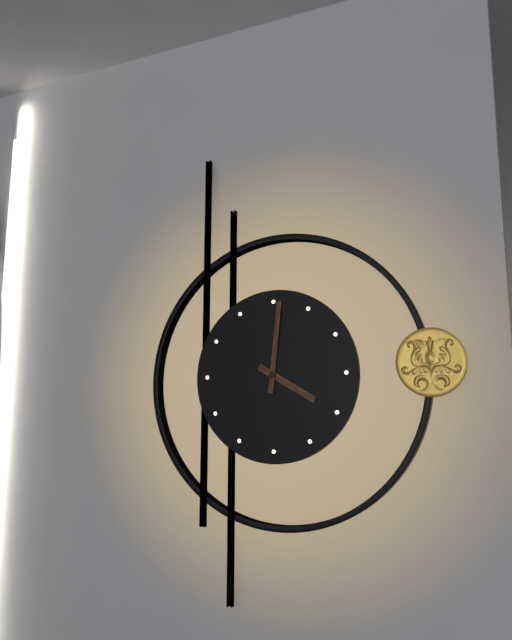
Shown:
4.01
